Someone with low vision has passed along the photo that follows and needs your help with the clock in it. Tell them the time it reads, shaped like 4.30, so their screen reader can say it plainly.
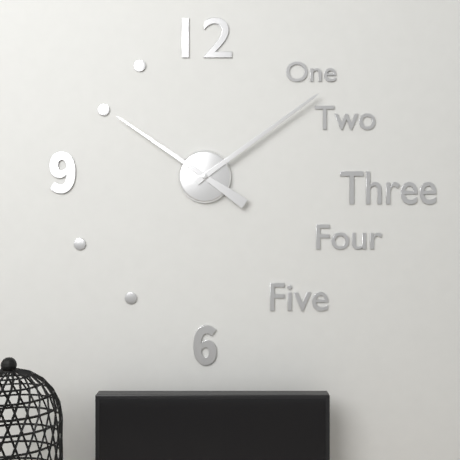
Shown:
10.09
